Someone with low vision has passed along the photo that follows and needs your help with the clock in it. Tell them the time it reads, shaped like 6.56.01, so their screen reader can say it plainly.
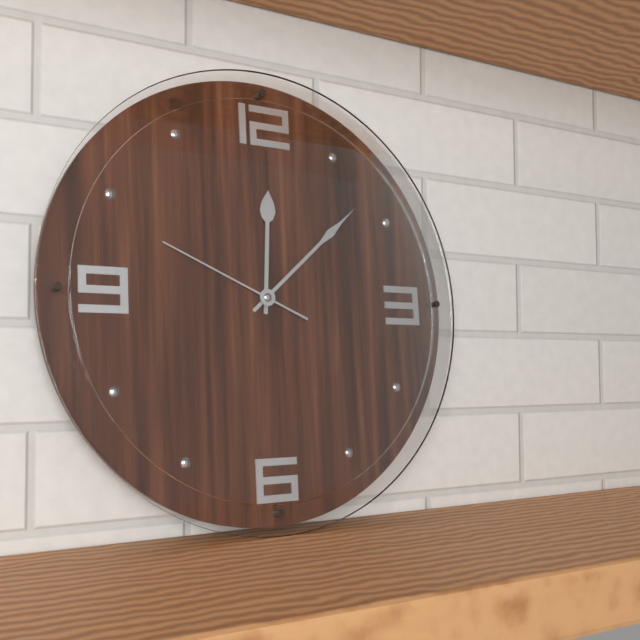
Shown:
12.08.49
